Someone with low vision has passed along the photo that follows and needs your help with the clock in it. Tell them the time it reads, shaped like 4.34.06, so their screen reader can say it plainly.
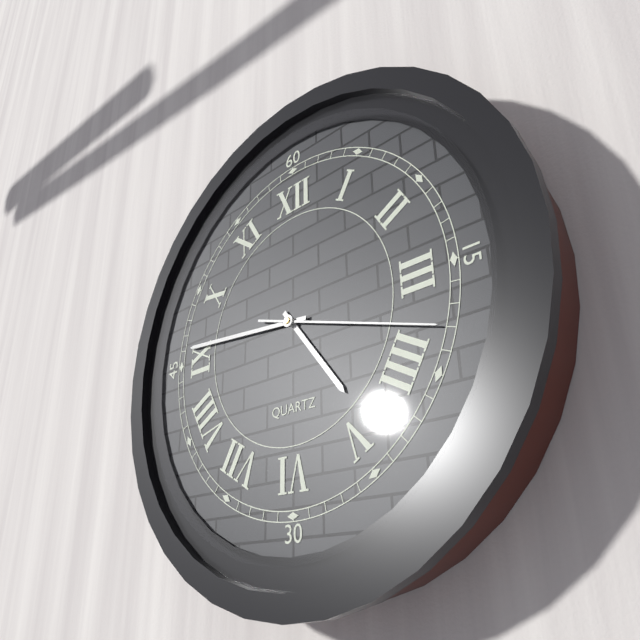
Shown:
4.46.18
